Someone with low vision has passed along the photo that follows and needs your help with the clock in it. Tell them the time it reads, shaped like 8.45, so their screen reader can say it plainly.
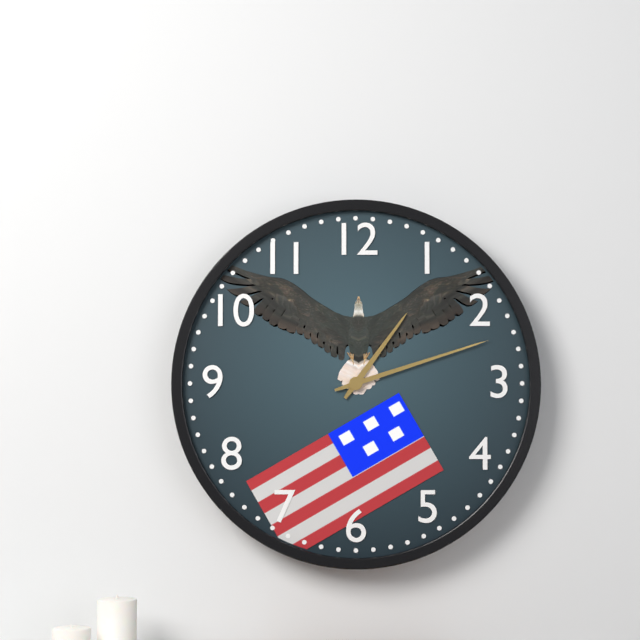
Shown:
1.12
